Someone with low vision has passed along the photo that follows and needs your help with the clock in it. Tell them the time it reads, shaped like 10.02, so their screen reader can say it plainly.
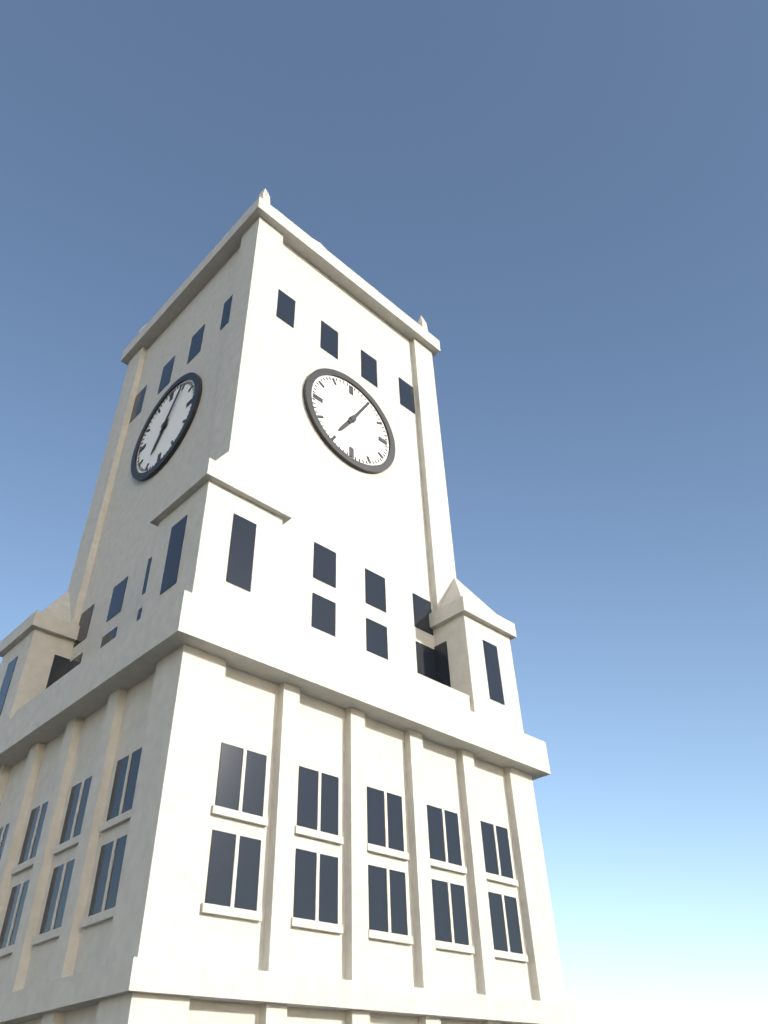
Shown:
7.05
